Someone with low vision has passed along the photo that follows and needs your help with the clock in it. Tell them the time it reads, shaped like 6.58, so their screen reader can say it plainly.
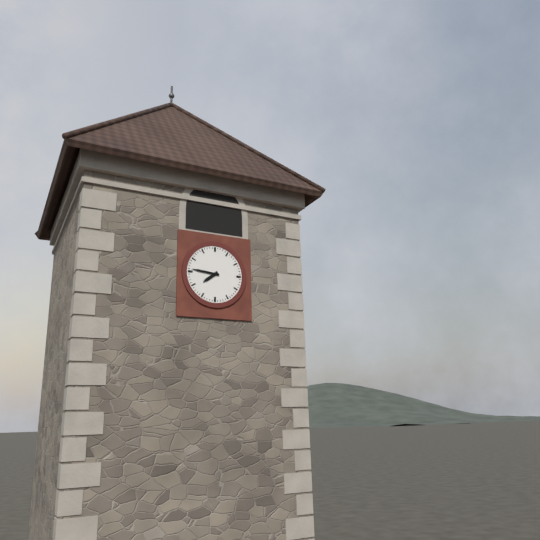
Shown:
7.46
